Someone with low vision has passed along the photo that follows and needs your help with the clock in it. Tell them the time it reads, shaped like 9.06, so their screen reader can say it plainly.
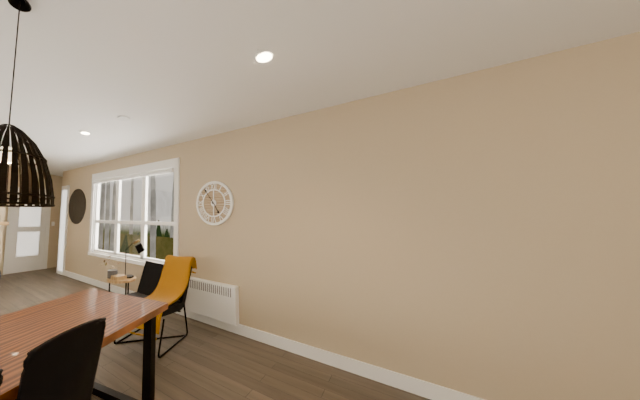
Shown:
4.54
